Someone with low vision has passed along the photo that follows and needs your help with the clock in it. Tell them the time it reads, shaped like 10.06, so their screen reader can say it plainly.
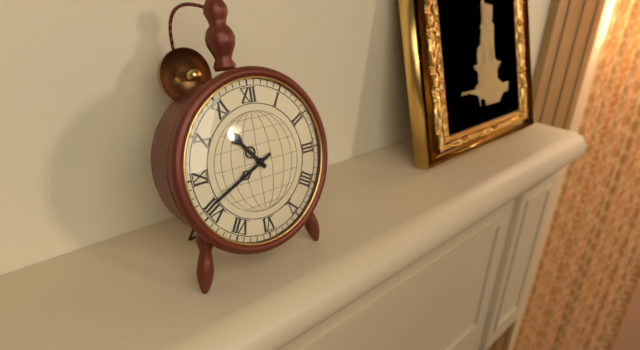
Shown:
10.41
